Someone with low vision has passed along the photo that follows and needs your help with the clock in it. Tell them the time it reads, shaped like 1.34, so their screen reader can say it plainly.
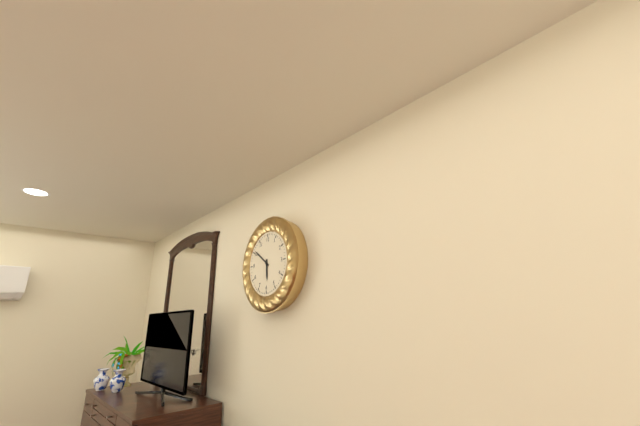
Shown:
5.51
